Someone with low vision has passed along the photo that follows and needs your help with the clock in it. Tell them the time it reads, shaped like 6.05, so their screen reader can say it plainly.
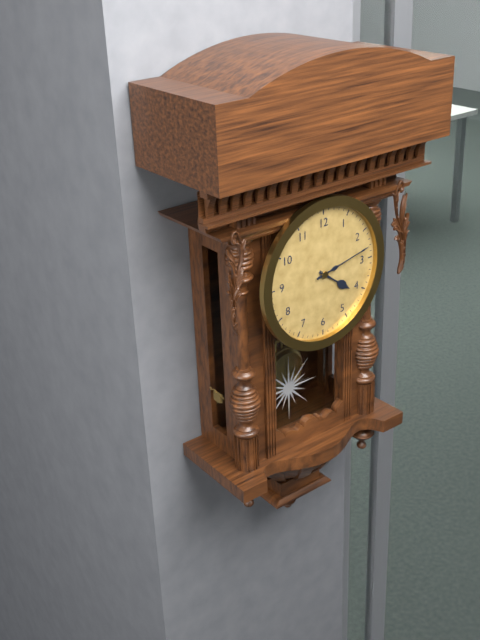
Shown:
4.13
